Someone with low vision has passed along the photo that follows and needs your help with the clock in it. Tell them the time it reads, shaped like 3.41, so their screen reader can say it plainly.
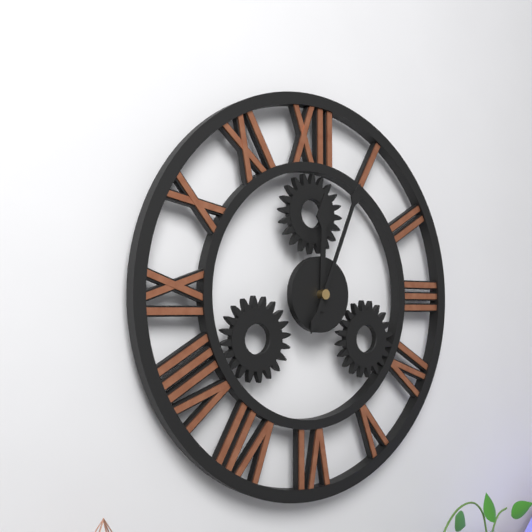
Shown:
12.04
